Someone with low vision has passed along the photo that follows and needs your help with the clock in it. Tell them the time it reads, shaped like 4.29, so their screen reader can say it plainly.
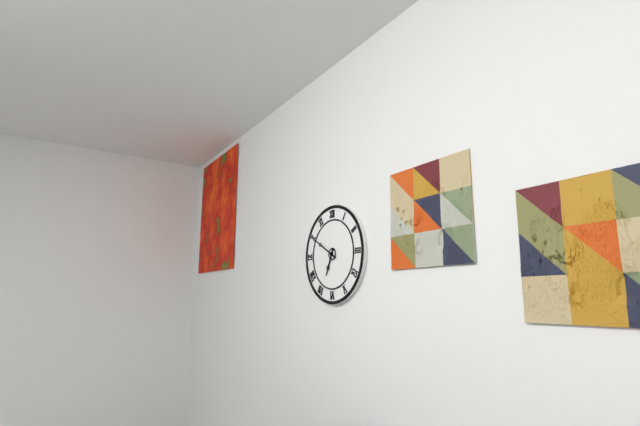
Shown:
6.50
